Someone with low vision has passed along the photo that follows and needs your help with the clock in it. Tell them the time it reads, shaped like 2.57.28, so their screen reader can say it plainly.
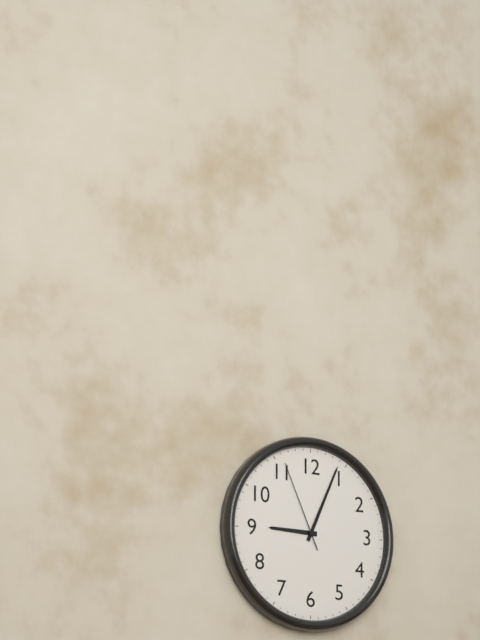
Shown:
9.04.56
